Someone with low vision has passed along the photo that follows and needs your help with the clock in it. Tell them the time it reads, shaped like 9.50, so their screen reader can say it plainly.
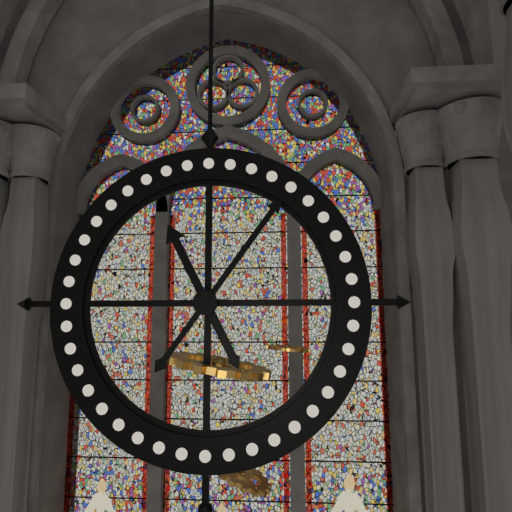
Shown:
11.06
